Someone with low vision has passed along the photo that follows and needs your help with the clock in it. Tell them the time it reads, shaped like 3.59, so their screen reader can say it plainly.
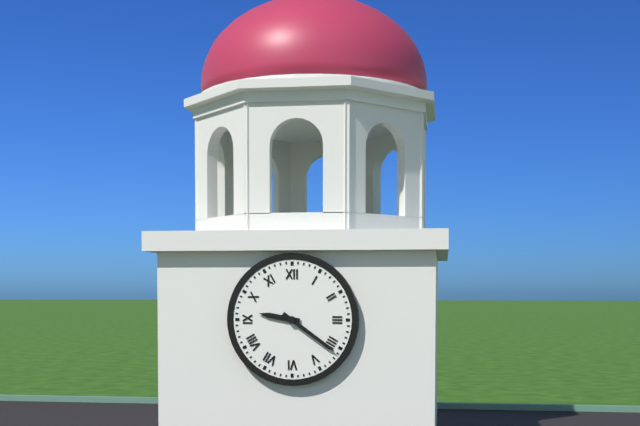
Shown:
9.21
